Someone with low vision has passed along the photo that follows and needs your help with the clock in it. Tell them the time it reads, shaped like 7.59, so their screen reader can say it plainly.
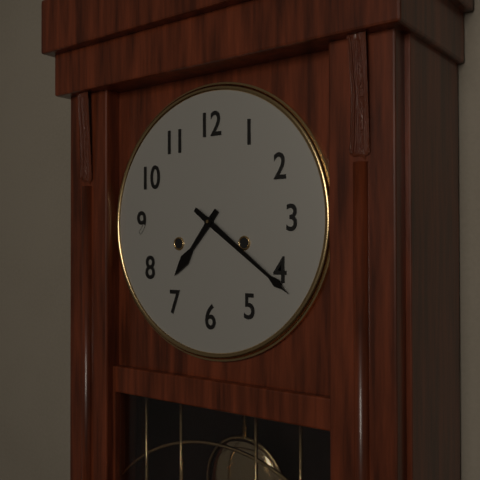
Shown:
7.21
